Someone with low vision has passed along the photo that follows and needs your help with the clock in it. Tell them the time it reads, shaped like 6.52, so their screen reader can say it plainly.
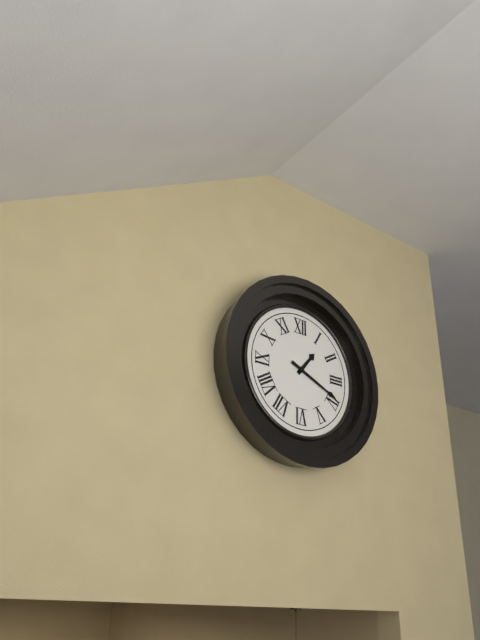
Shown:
1.19
